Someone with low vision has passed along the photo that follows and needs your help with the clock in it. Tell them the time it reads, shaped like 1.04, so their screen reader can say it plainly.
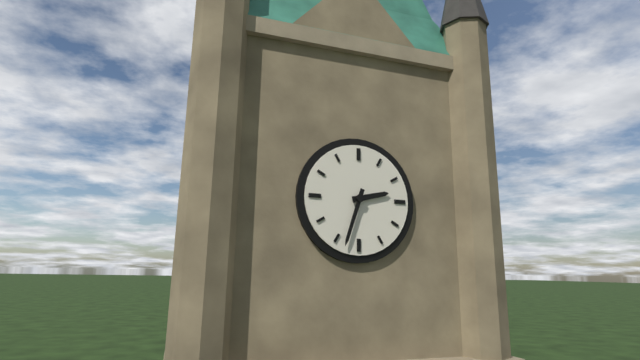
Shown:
2.33
